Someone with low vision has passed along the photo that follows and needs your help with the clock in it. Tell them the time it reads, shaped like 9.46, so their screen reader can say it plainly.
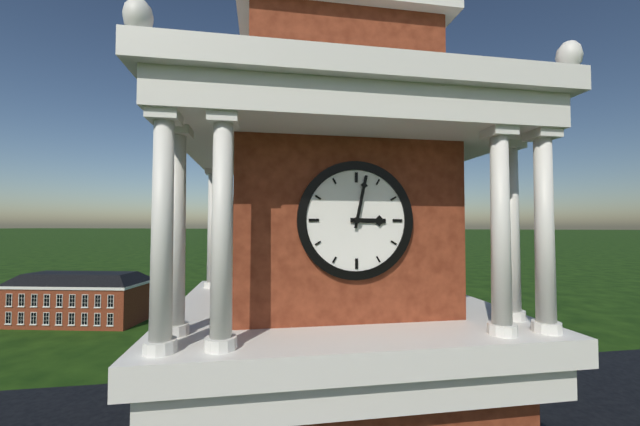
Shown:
3.02
